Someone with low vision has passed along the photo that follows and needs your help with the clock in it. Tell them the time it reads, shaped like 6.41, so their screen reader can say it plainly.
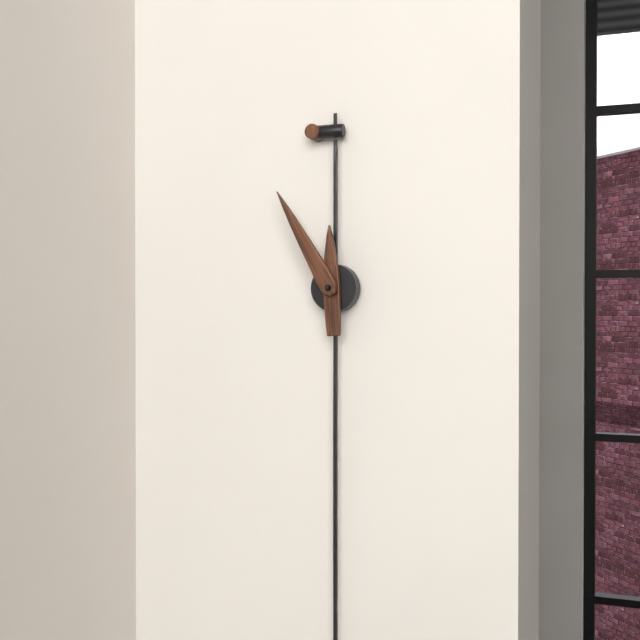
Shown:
11.55
